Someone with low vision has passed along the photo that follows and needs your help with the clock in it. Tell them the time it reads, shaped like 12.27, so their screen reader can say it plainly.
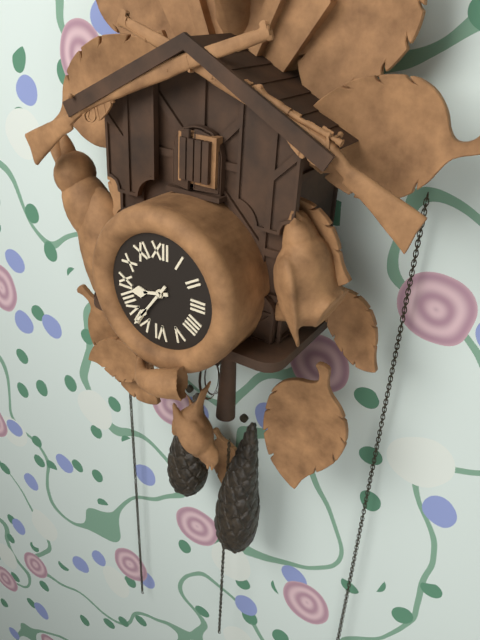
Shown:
8.36
